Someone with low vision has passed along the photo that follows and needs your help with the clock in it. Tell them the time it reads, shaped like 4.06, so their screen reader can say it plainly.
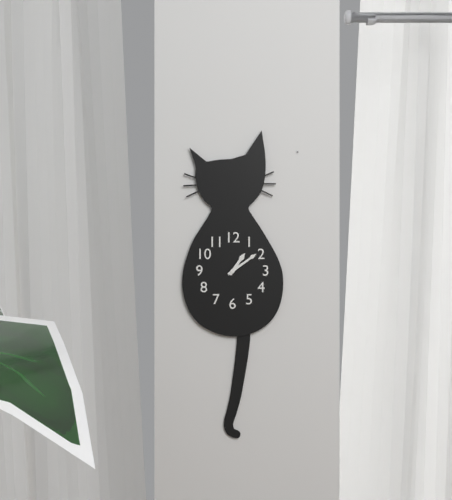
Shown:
1.09
